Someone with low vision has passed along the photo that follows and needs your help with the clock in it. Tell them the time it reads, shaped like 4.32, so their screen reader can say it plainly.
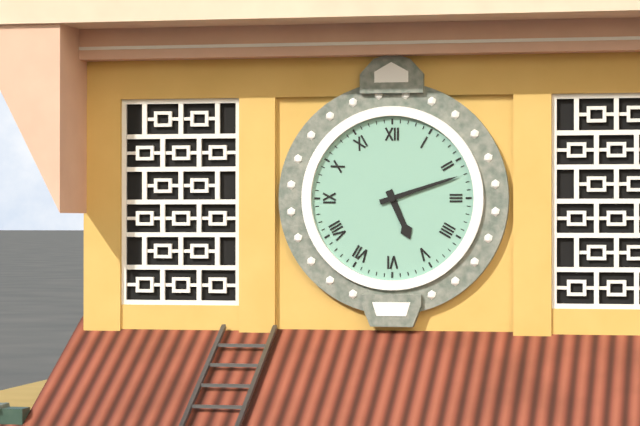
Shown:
5.12
